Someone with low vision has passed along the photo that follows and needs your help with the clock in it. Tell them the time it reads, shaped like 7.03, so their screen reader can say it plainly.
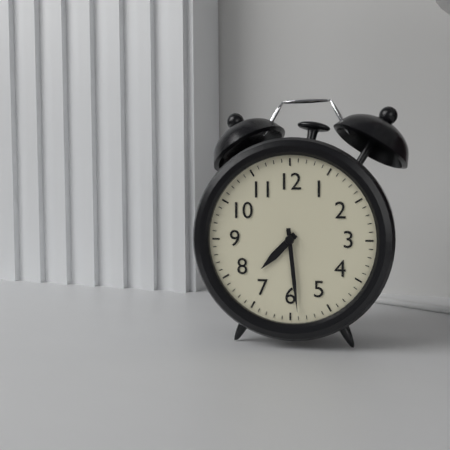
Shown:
7.29
